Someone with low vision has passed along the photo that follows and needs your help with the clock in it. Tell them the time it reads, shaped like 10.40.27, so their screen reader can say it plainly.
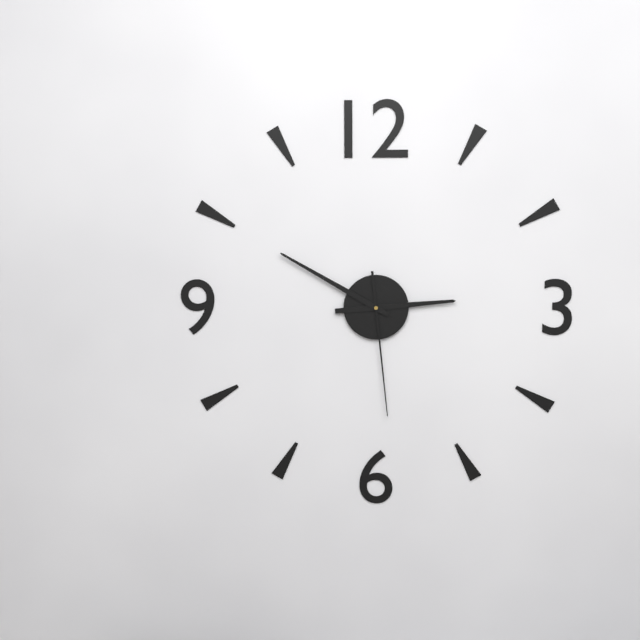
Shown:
2.50.29
